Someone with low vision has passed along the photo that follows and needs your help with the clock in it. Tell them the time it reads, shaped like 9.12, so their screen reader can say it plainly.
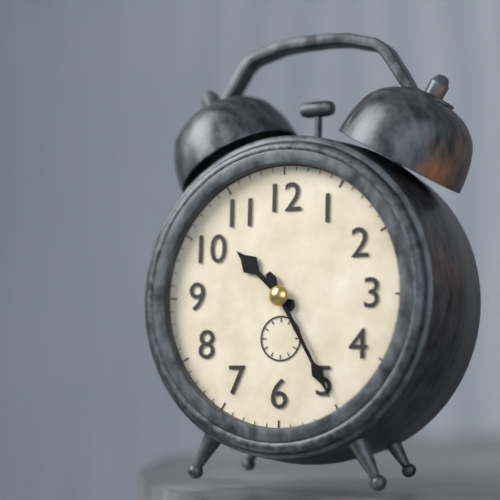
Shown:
10.25
